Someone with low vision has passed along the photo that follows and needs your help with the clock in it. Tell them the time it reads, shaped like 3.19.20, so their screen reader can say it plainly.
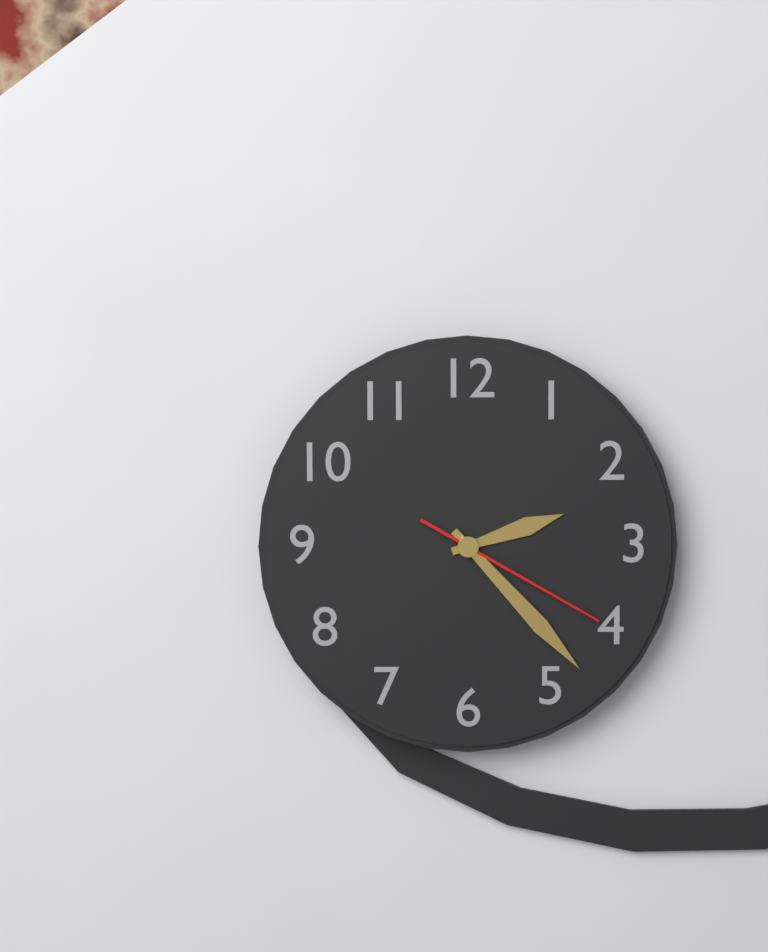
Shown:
2.23.20
